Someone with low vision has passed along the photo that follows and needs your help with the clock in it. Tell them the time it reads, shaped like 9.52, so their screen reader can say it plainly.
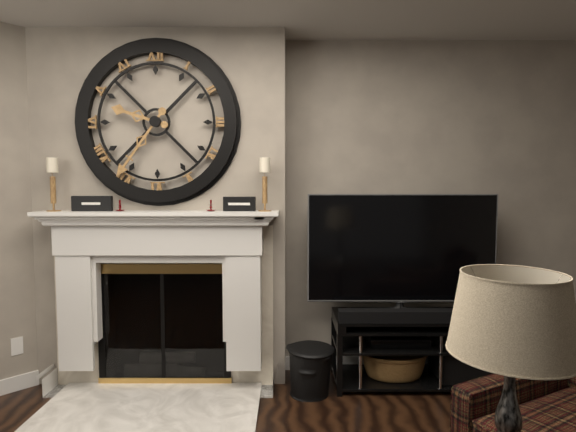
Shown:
9.36
